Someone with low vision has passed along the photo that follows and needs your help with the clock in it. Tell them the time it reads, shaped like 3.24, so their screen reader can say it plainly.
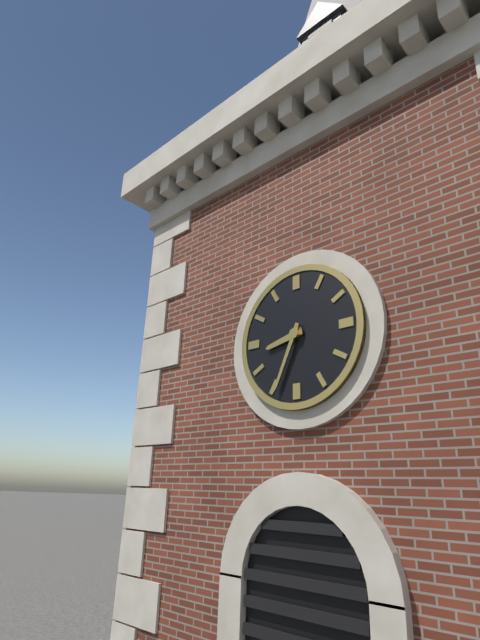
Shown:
8.34
